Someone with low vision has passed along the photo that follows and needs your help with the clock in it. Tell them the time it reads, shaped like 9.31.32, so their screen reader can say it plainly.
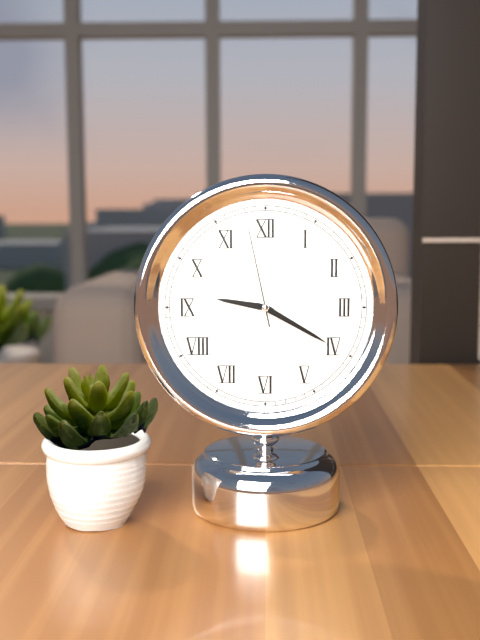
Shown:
9.20.58
